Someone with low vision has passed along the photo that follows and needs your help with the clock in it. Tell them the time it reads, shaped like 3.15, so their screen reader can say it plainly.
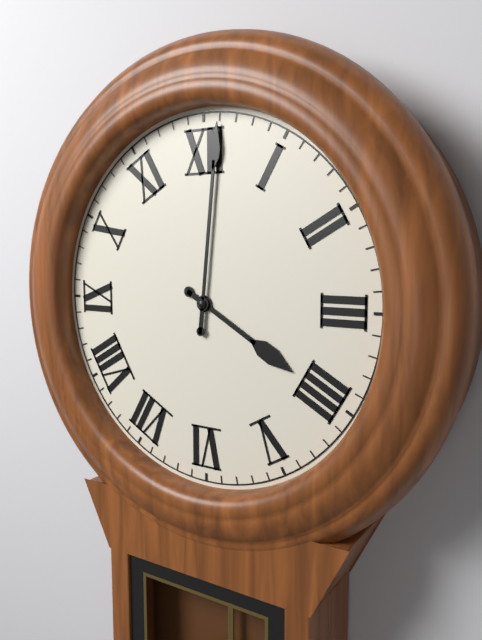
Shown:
4.01
